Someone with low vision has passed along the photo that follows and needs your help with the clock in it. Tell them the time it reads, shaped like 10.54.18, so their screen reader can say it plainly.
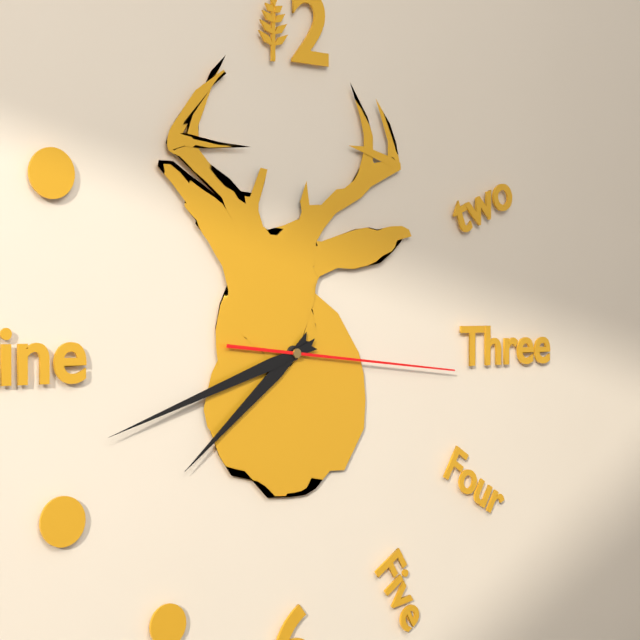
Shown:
7.42.16
